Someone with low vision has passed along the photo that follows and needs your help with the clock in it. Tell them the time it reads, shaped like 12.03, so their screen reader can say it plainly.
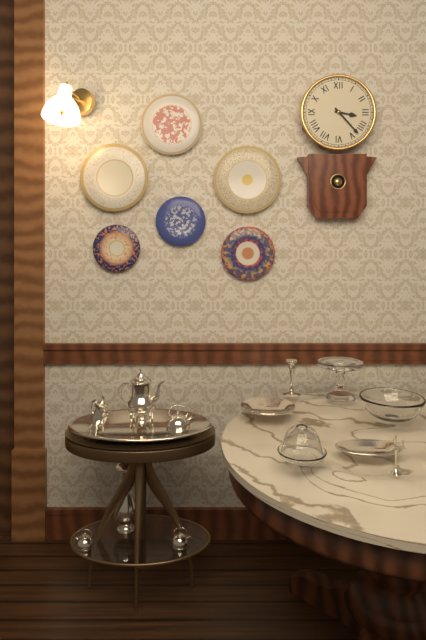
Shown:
3.23
